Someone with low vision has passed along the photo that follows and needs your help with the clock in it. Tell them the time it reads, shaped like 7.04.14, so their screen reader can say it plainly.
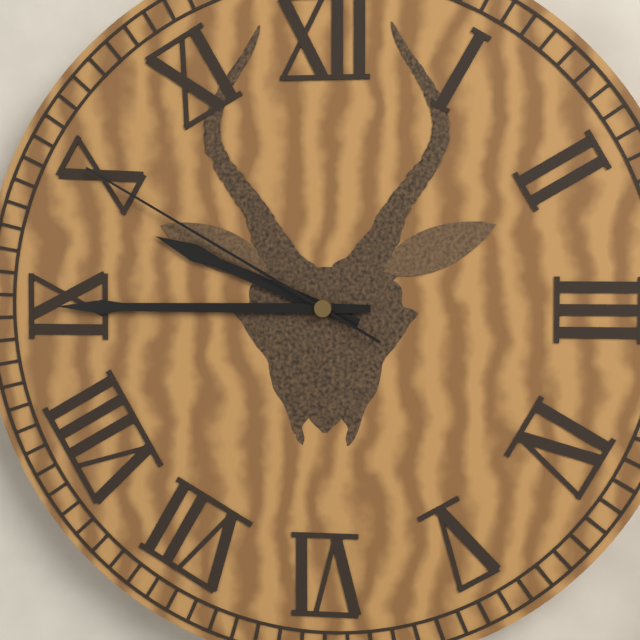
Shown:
9.45.50
